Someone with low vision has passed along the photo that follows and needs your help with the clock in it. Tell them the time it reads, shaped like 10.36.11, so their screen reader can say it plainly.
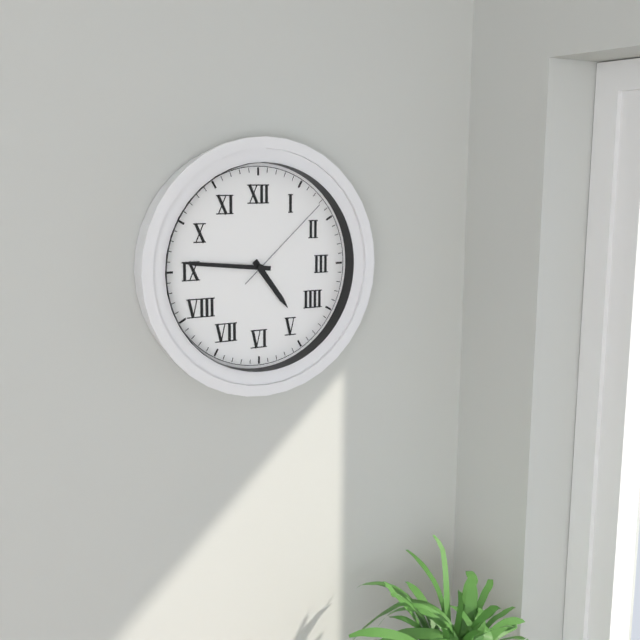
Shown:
4.46.08
